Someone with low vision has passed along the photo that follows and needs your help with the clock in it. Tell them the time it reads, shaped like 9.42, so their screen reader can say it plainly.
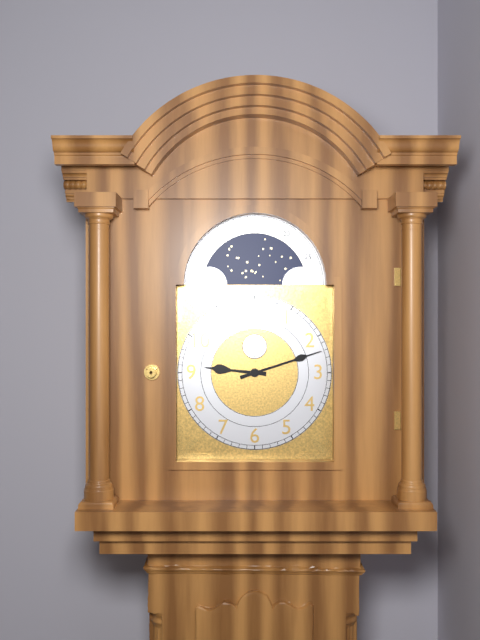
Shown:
9.12
